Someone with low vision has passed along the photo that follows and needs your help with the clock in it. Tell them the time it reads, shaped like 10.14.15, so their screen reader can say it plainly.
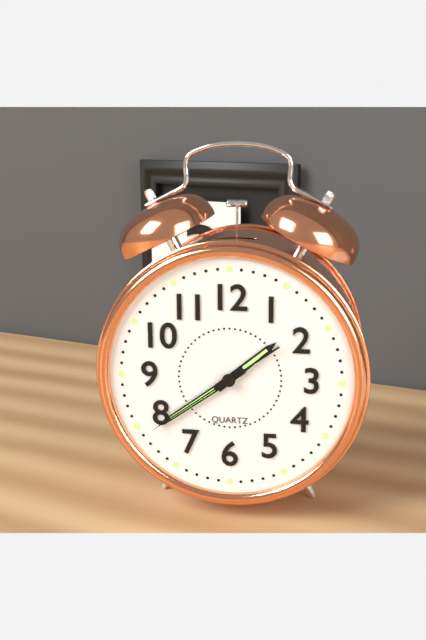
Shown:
1.39.39
